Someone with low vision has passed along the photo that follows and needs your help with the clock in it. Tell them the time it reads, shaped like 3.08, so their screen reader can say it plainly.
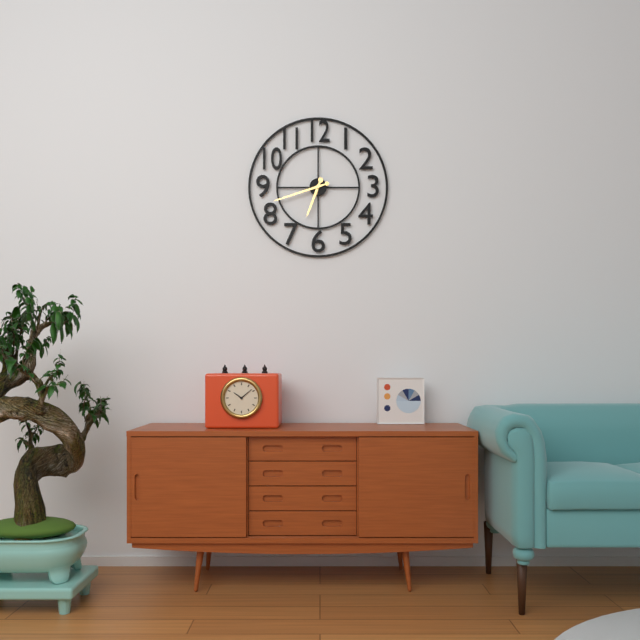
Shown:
6.42
